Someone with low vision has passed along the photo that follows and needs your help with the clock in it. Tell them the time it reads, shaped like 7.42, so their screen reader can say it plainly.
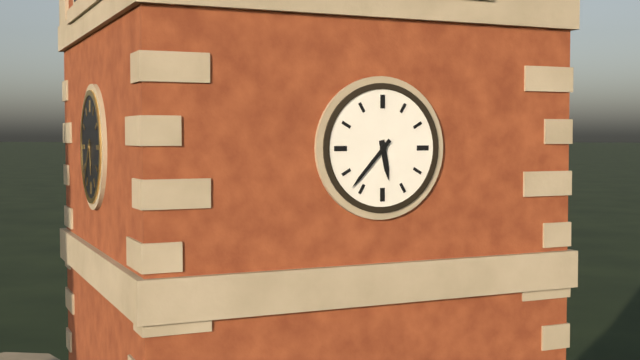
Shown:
5.37
